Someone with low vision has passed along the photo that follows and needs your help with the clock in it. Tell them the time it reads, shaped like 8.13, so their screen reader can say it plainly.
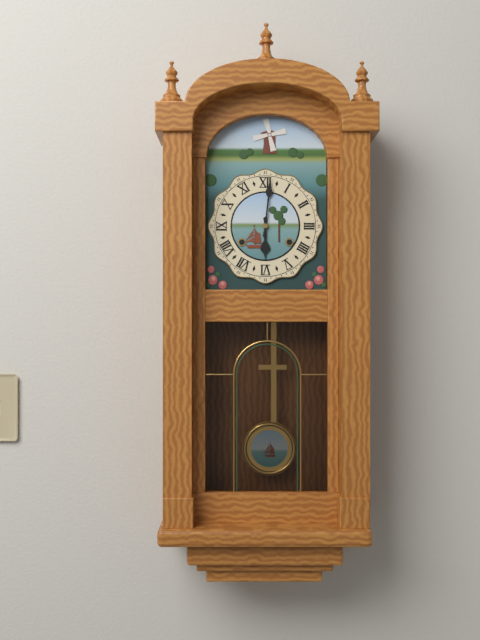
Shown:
6.01
